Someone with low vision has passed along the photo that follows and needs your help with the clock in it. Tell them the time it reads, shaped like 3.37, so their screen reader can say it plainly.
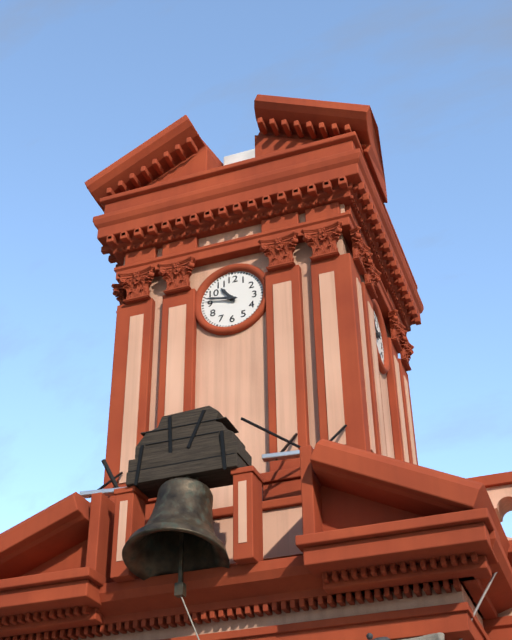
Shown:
10.47
